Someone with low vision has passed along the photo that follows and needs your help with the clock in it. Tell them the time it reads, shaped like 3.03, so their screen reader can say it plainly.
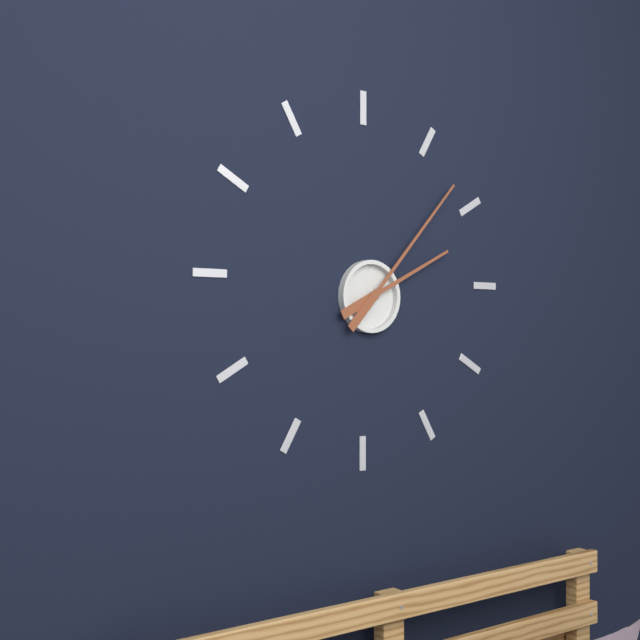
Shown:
2.07
